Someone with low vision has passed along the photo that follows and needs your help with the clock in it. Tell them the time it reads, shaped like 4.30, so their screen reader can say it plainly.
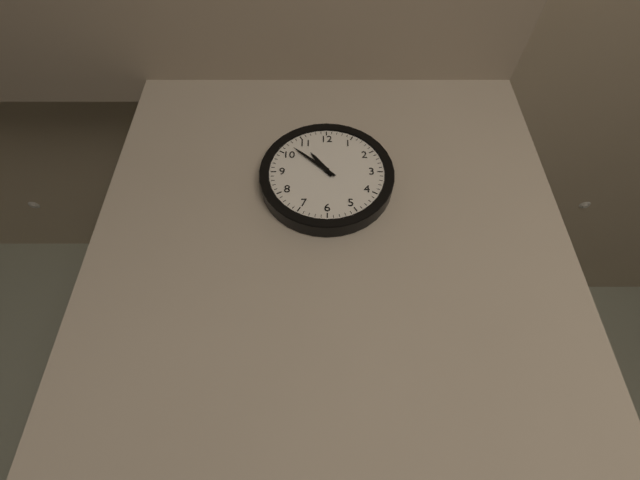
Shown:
10.52
